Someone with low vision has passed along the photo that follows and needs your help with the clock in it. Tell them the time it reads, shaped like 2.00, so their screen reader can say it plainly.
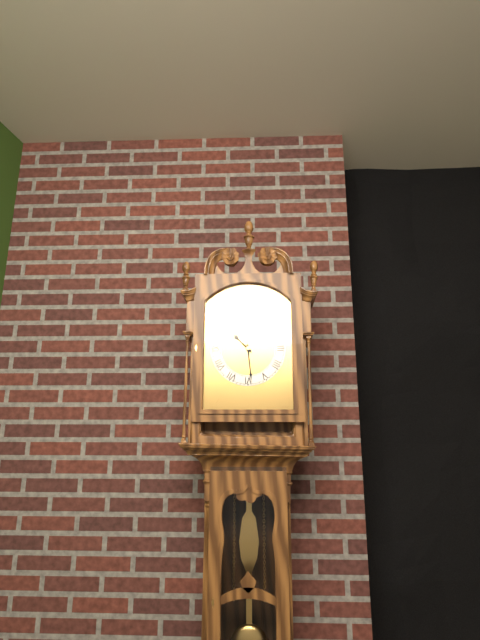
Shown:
10.29
